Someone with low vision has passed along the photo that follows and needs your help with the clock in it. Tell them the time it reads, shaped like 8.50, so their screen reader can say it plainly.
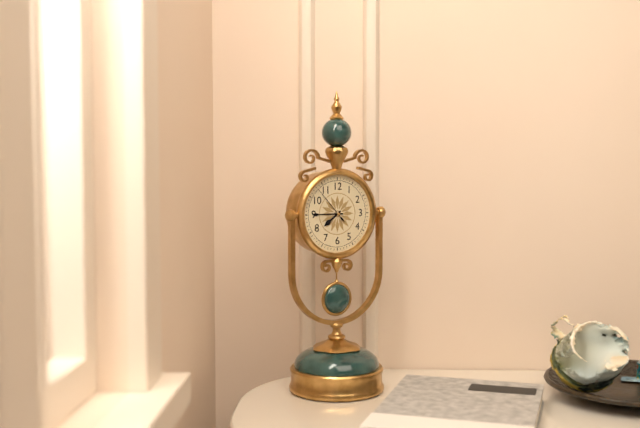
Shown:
7.45
